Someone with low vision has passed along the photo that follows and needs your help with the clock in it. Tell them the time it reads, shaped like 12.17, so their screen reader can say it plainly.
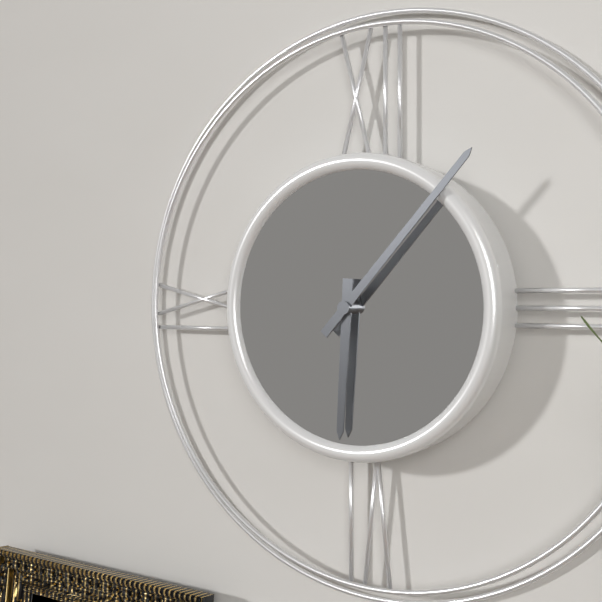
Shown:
6.07
